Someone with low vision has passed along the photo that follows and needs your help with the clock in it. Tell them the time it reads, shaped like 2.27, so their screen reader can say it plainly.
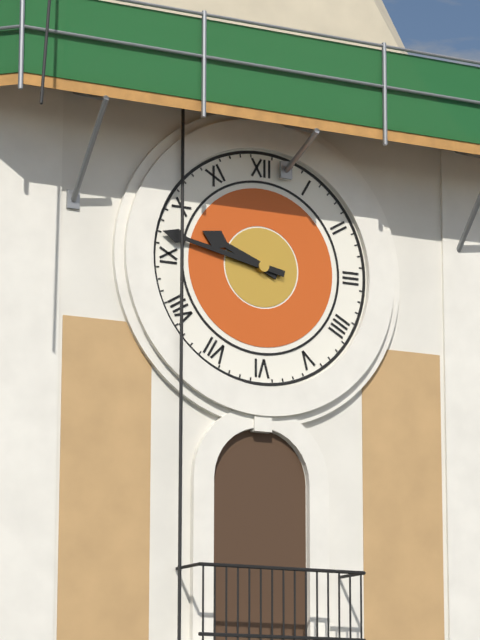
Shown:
9.47
